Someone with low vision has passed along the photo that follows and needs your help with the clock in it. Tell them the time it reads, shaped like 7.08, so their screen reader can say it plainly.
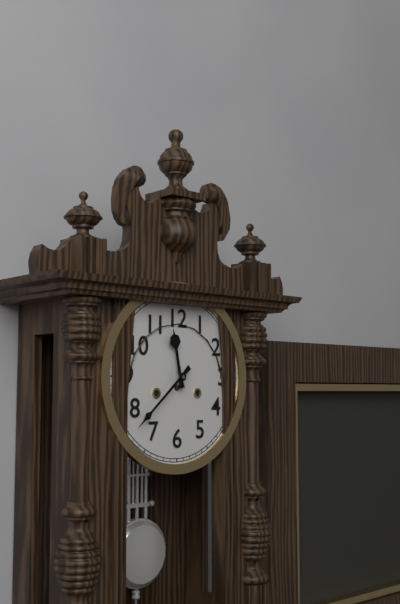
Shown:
11.38
